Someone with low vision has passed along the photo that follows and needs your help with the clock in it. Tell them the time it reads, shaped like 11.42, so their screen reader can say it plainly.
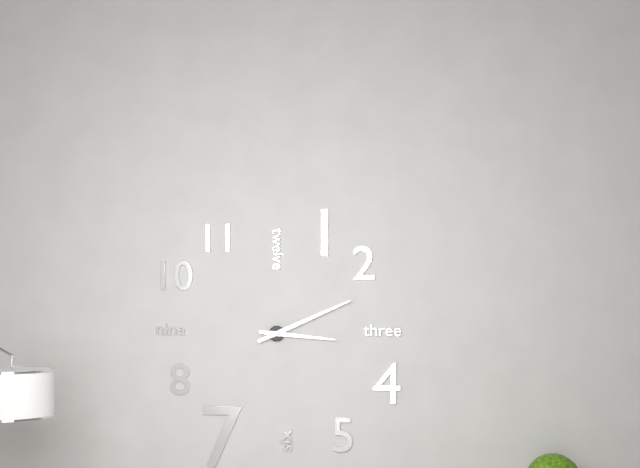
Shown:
3.11
